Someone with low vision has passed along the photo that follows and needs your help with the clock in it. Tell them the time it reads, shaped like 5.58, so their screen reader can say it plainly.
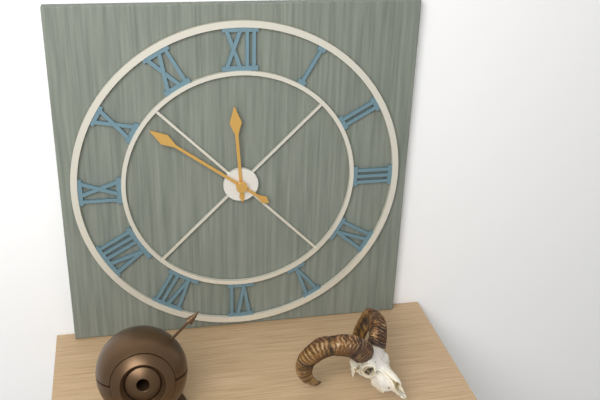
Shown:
11.51
